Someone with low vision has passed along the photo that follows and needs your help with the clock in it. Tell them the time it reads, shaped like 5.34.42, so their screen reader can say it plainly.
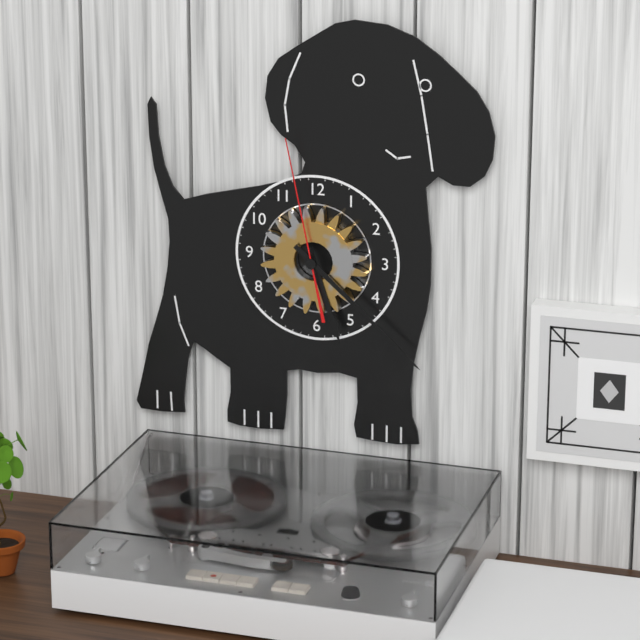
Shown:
5.22.58
